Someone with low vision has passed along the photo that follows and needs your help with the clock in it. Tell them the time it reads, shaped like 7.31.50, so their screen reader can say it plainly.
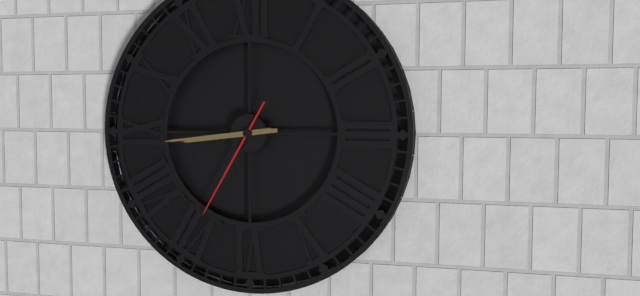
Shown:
8.44.35
